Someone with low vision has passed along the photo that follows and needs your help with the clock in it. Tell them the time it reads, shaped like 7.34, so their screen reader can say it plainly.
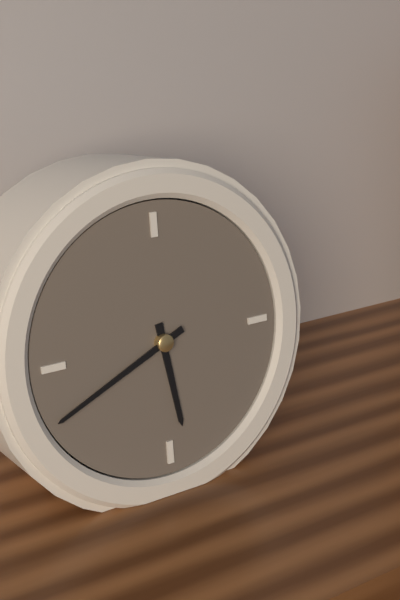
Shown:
5.41
